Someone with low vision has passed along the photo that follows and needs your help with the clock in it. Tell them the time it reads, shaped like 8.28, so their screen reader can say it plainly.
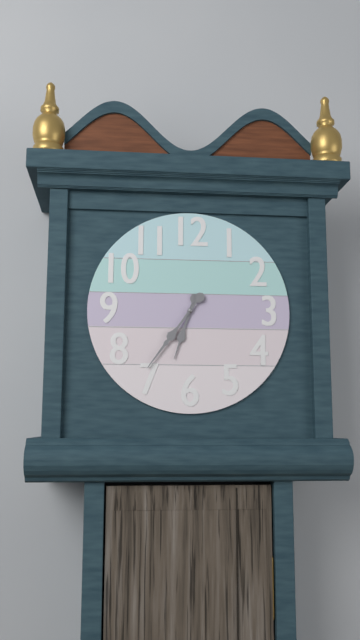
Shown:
6.36
